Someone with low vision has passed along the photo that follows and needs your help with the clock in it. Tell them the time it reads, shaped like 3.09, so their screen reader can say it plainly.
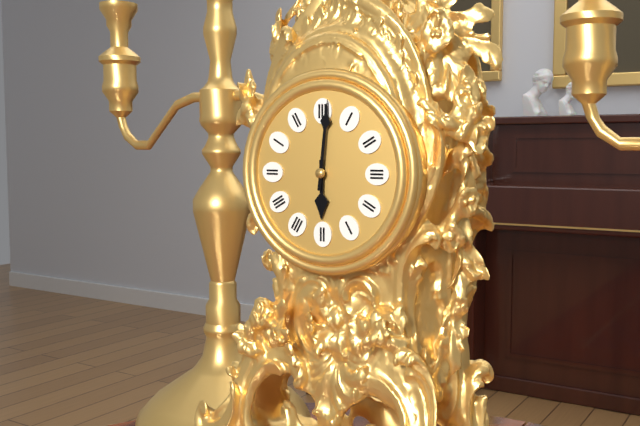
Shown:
6.01
